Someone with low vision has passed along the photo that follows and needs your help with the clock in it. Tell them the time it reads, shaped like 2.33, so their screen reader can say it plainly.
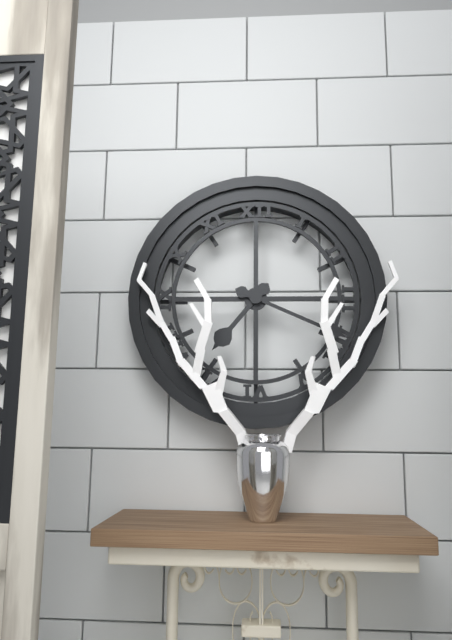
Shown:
7.19
